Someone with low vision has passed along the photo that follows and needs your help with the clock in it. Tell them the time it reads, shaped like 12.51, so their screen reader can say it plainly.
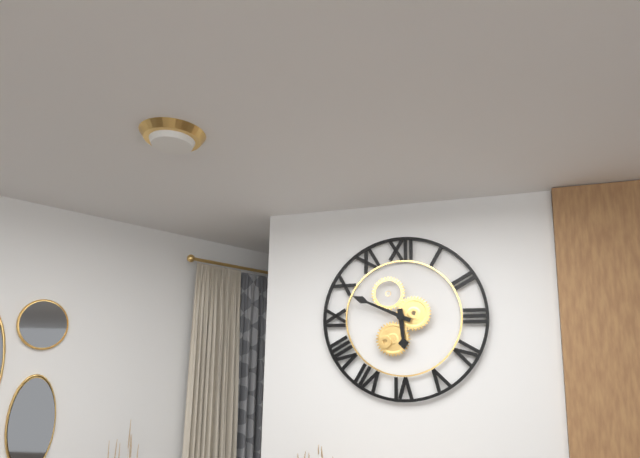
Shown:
5.49
